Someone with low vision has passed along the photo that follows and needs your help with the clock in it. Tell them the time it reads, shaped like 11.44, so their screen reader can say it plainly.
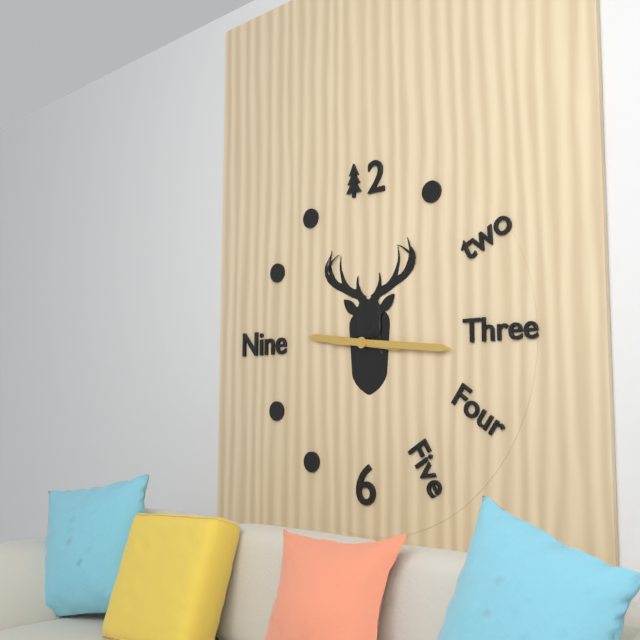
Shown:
9.16
